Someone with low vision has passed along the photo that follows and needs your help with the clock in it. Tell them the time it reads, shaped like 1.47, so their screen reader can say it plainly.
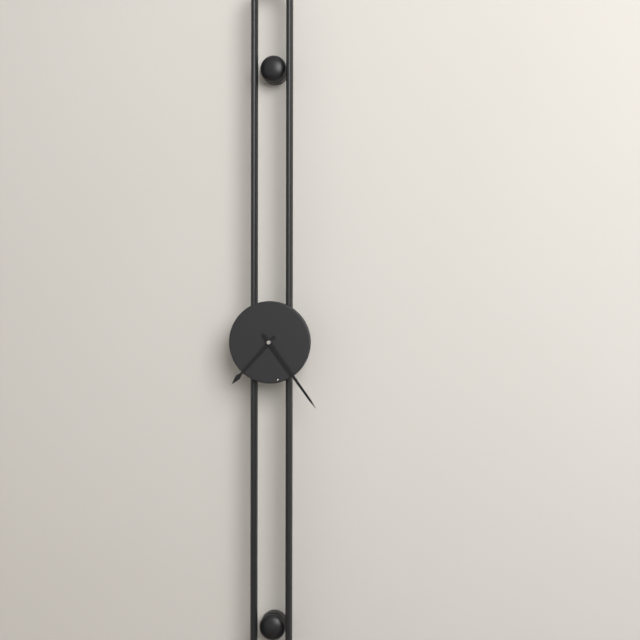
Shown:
7.24
